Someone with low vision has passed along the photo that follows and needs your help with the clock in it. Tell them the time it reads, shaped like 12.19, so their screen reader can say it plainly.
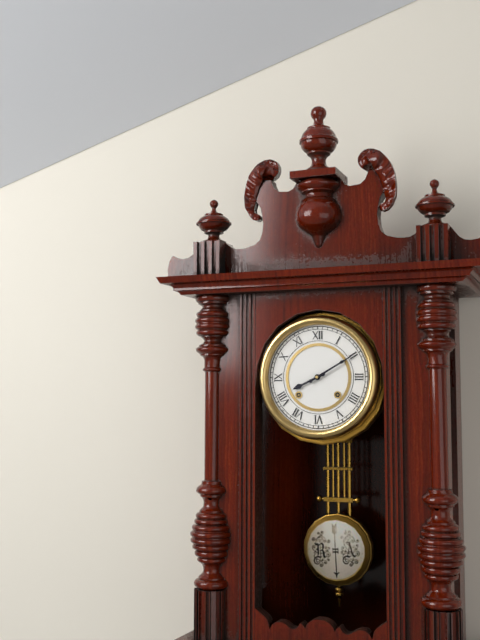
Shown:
8.10
